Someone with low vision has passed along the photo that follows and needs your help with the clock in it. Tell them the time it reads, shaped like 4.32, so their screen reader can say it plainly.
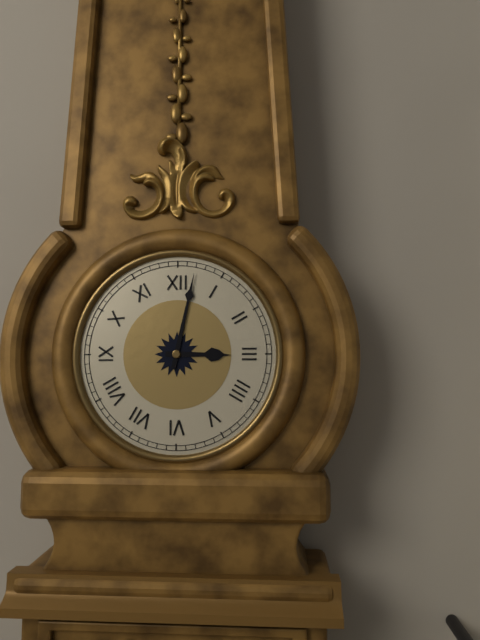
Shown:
3.02
